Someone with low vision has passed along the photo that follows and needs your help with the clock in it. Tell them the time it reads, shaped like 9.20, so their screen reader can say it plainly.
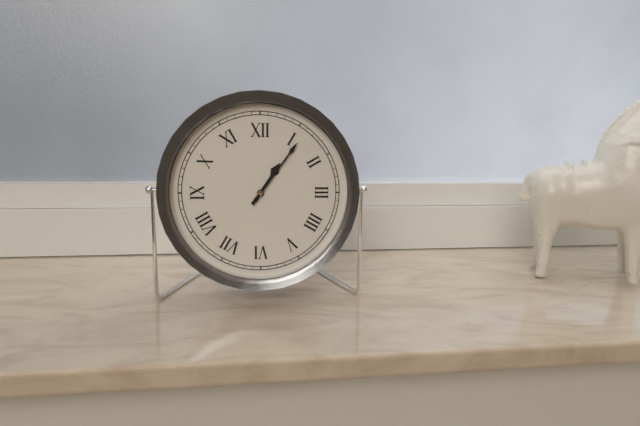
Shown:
1.06
